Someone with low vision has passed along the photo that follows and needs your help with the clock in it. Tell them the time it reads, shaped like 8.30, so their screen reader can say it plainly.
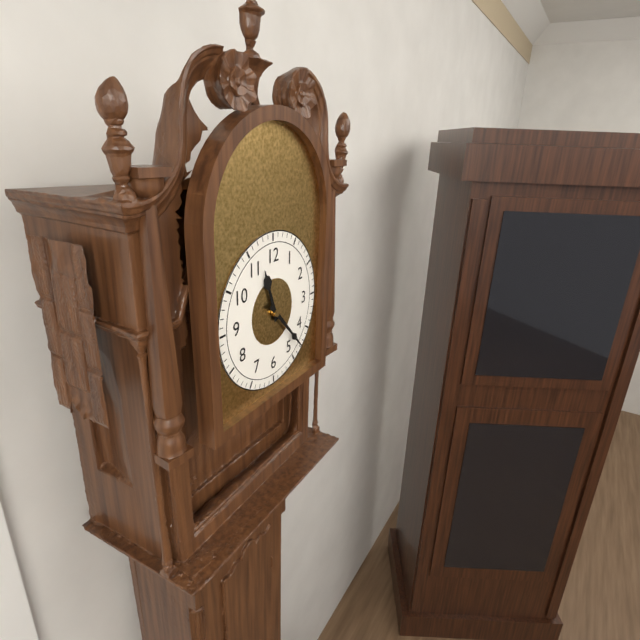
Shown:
11.23
